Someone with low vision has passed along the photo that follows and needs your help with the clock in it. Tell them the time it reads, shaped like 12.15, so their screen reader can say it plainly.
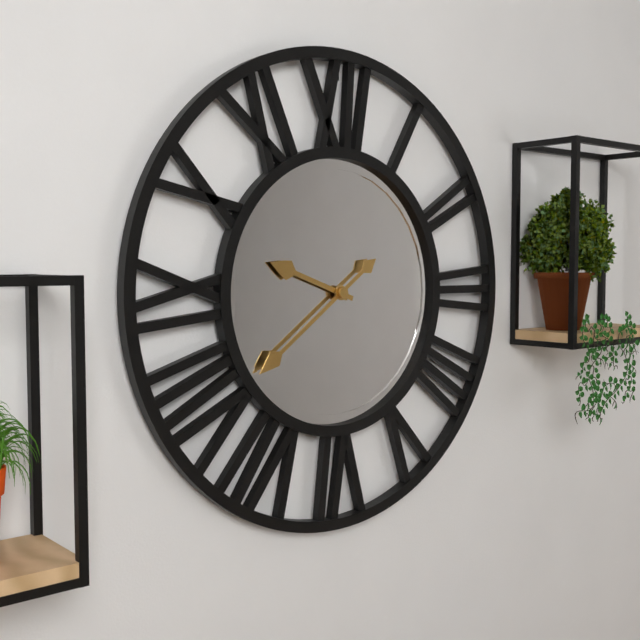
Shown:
9.39
